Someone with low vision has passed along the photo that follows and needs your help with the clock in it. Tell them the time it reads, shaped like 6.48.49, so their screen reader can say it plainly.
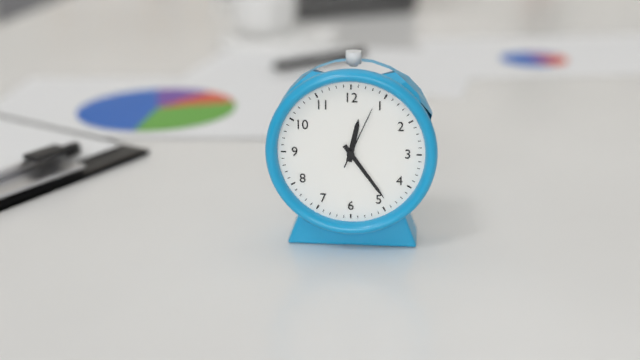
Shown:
12.24.04
